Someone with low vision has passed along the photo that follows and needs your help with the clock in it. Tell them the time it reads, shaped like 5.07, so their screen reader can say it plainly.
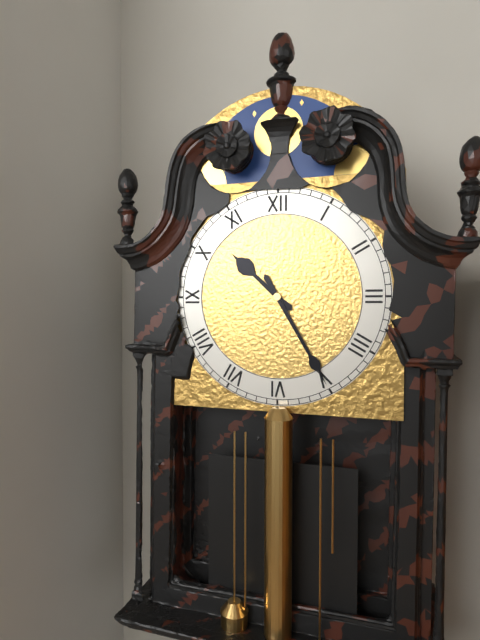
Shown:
10.25
